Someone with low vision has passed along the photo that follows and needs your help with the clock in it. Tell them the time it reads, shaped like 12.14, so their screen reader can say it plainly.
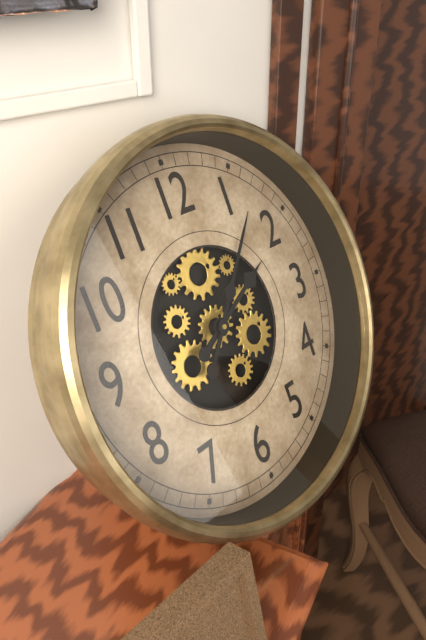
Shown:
2.07
